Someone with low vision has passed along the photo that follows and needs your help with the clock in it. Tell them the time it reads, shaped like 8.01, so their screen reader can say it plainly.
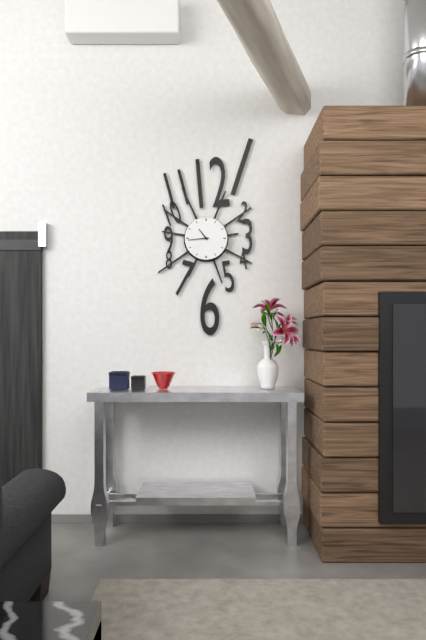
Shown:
10.44
